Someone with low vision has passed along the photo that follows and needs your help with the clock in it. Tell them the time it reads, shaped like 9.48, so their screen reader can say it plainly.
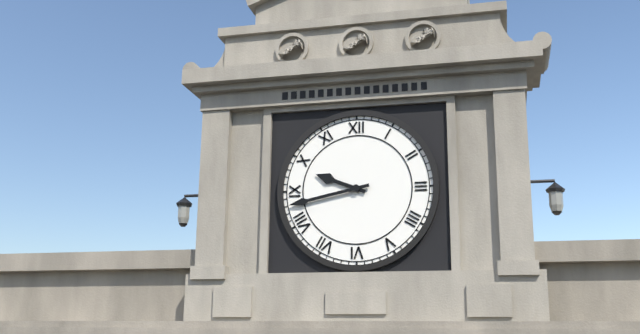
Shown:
9.43
